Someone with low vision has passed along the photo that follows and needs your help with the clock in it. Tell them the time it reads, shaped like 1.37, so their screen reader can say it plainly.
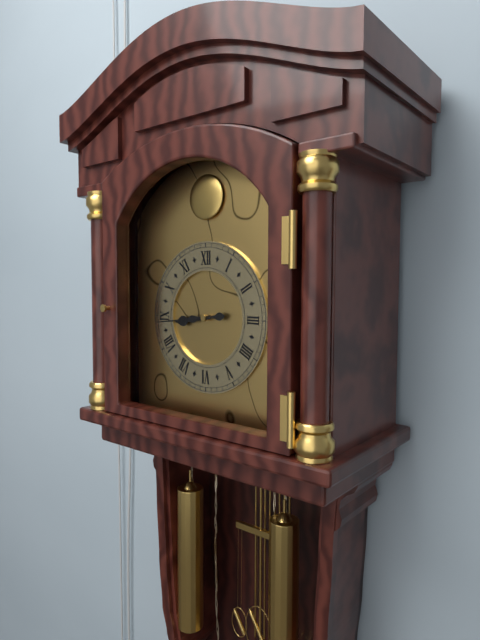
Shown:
8.44
